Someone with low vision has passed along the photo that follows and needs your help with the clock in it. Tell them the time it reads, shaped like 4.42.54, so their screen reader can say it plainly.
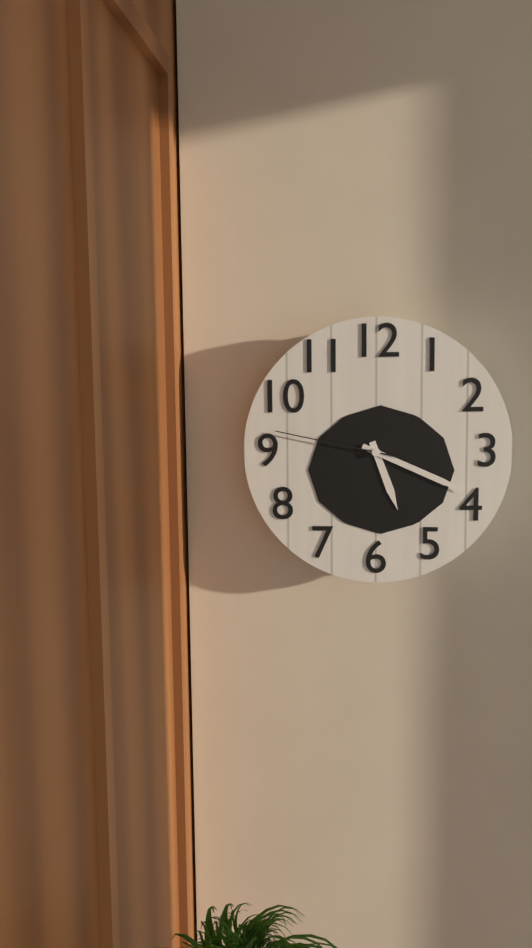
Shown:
5.19.47
